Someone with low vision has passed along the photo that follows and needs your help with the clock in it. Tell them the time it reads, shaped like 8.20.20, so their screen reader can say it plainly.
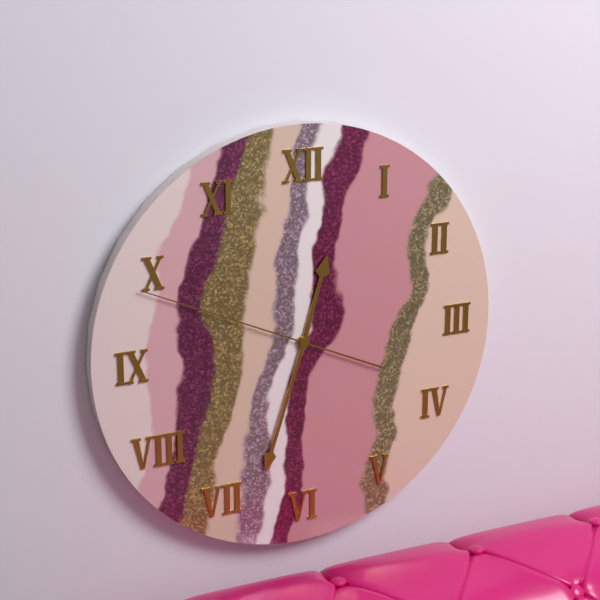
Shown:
12.33.49
